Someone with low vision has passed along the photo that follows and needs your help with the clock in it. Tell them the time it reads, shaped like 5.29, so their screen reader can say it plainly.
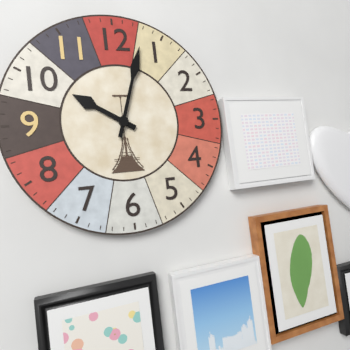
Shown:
10.03
